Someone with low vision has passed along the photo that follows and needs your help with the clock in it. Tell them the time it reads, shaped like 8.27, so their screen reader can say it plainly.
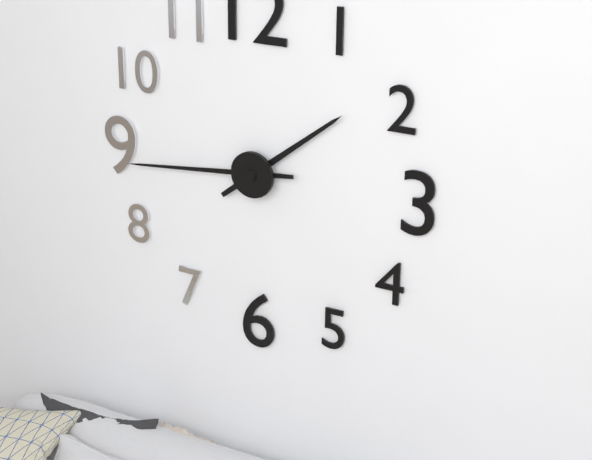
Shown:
1.44
